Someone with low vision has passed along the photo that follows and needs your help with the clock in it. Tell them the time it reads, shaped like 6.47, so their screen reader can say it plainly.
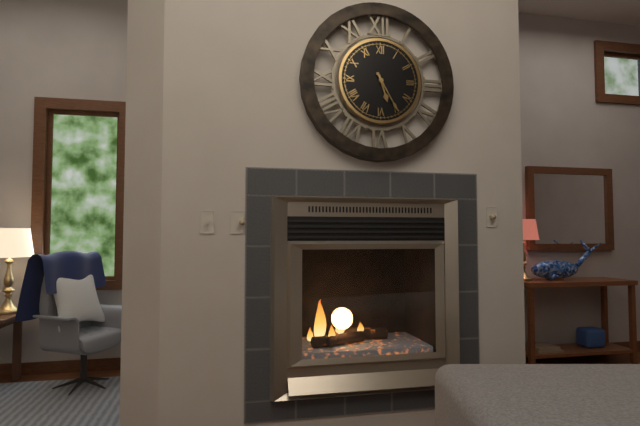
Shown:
5.25
